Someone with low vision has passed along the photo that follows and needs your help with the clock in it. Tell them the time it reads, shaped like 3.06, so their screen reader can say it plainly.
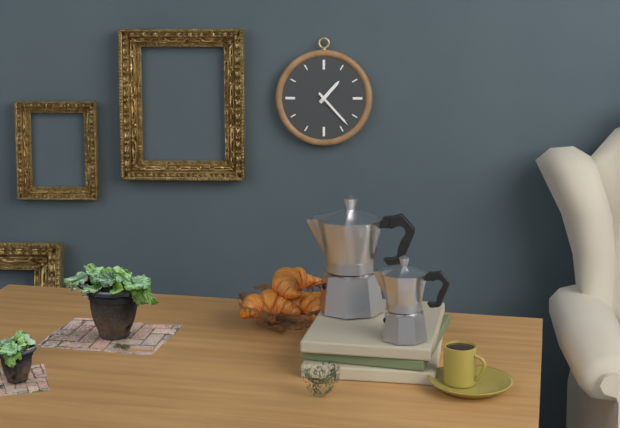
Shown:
1.23
